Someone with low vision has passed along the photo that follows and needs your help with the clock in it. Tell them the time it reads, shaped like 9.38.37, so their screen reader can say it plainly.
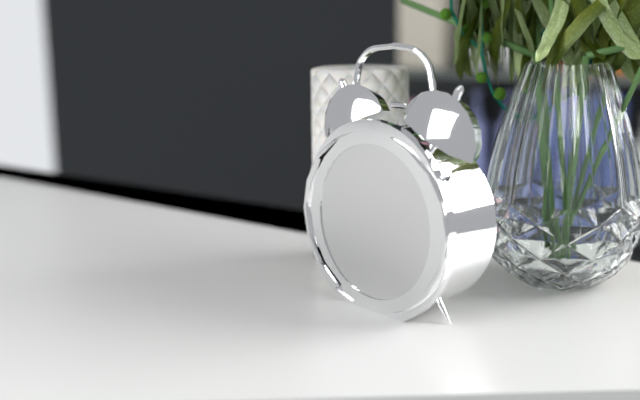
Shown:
7.27.54
